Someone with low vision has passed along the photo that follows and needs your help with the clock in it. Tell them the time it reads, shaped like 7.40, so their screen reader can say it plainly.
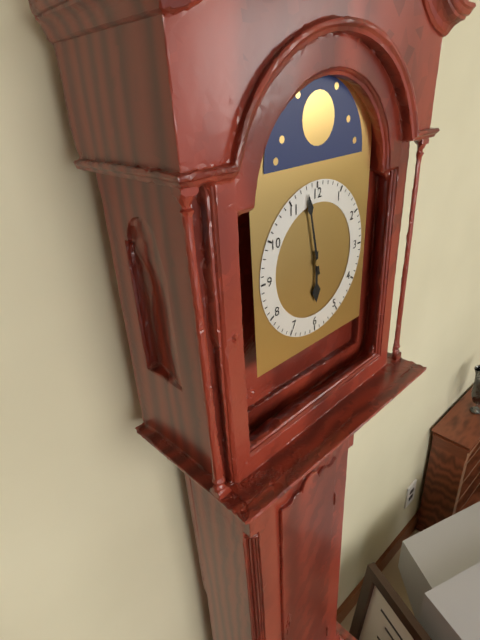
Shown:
5.58
